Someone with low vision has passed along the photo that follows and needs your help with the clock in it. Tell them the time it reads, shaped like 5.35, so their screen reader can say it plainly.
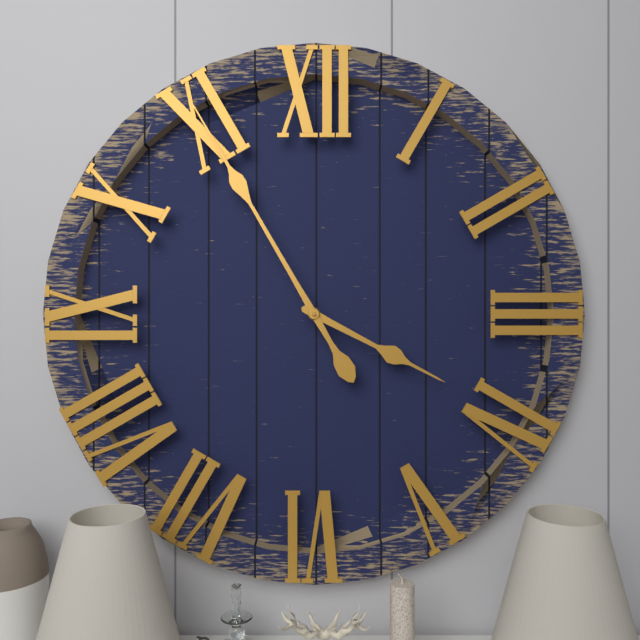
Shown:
3.55
